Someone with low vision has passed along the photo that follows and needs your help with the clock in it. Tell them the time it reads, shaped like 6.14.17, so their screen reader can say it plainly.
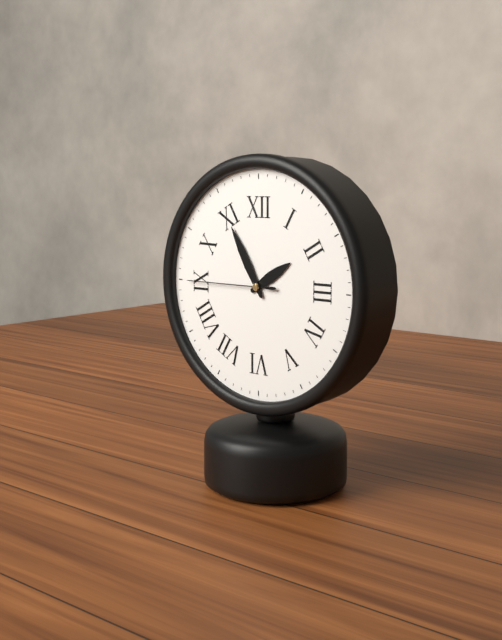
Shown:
1.55.45
